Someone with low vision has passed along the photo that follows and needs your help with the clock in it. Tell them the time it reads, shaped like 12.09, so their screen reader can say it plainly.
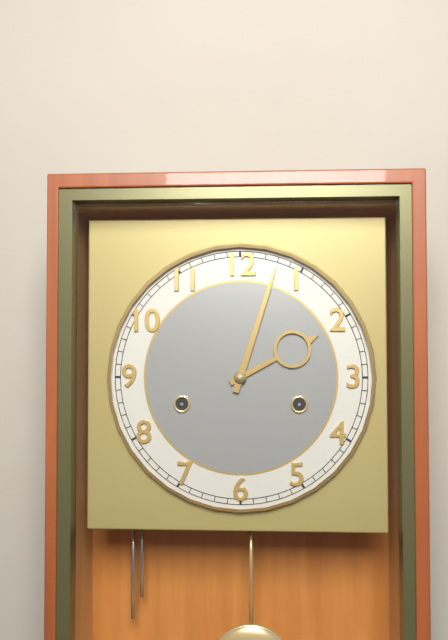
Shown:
2.03
